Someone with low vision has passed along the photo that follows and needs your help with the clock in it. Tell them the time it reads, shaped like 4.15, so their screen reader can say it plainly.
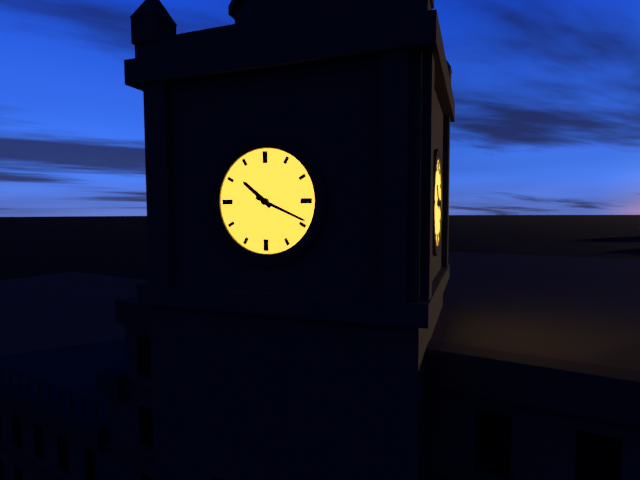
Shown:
10.19
